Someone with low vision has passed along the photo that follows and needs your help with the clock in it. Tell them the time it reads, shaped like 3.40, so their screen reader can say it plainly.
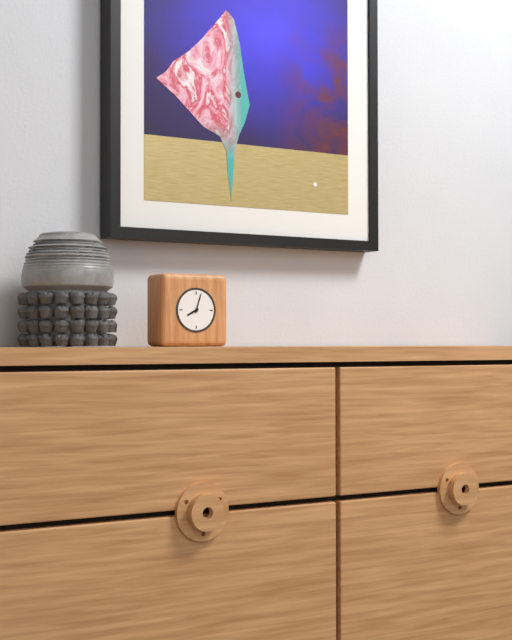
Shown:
8.03
